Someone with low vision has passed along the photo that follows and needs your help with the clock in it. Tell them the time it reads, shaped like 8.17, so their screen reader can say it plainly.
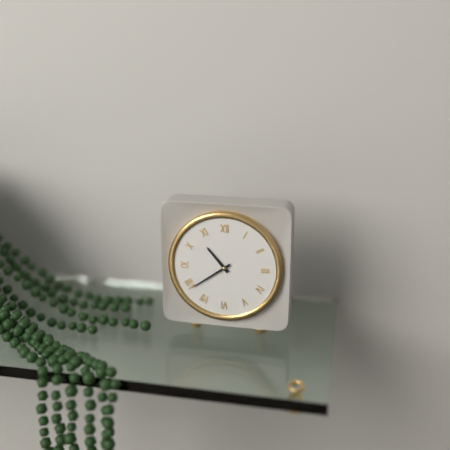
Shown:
10.39
